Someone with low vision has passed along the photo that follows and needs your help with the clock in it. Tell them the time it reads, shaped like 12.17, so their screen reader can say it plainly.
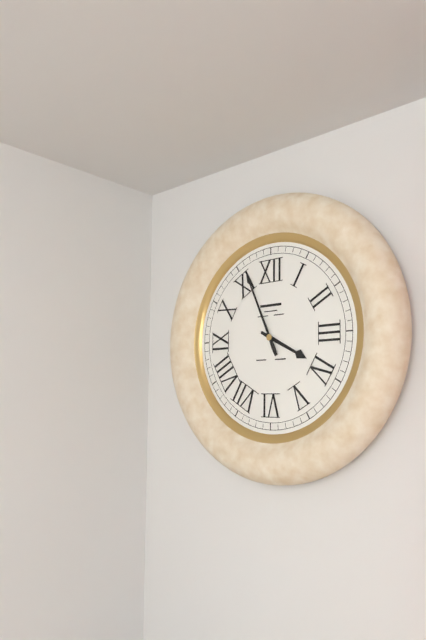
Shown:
3.56
